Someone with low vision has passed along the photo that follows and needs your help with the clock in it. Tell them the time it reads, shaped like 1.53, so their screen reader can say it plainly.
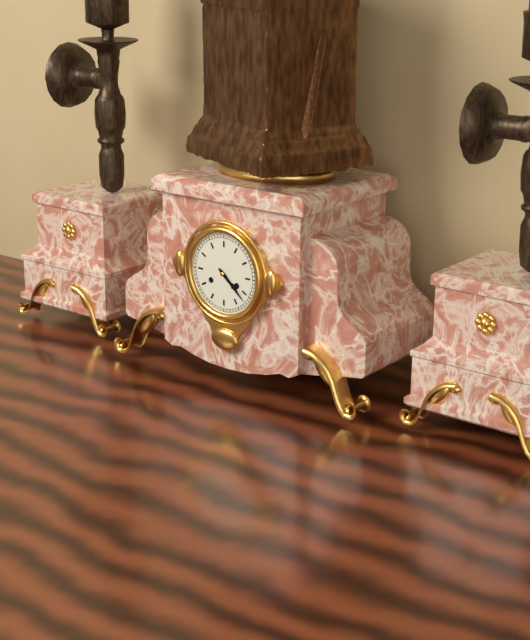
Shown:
4.22
